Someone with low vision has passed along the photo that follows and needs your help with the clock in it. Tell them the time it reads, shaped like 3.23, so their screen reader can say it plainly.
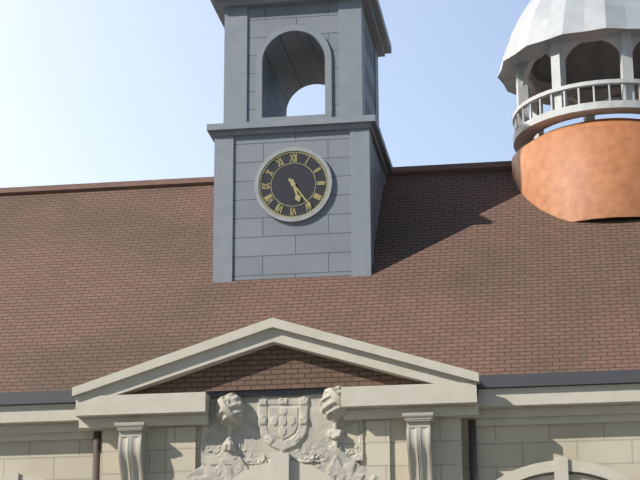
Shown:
5.24
